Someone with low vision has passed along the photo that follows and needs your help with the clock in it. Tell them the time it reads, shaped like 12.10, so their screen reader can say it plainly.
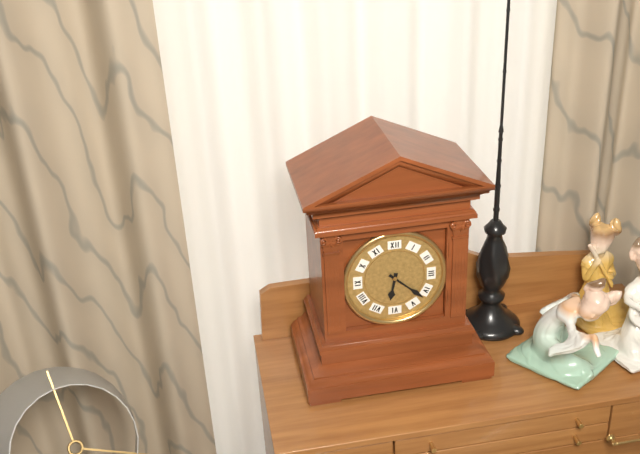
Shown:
6.22
